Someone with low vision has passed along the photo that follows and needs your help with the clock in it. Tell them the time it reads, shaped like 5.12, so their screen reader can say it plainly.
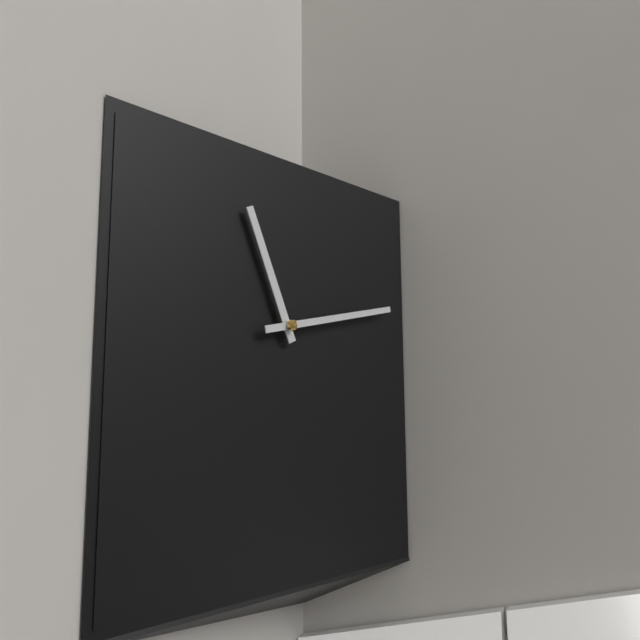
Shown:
11.13
